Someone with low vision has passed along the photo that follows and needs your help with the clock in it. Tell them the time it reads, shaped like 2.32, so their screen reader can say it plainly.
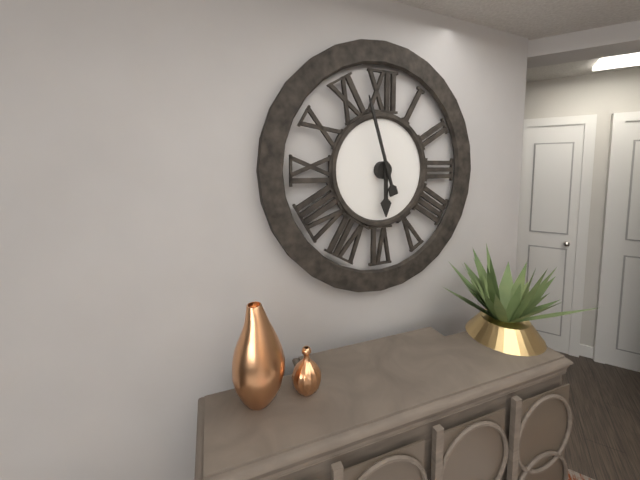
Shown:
5.57
